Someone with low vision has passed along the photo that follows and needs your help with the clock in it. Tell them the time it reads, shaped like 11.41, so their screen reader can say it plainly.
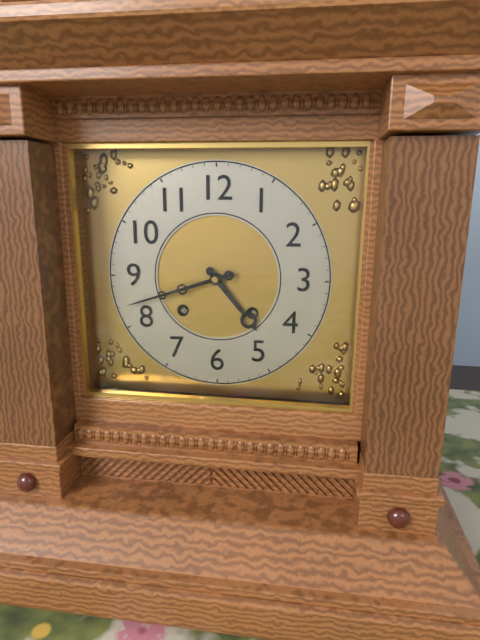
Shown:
4.42
